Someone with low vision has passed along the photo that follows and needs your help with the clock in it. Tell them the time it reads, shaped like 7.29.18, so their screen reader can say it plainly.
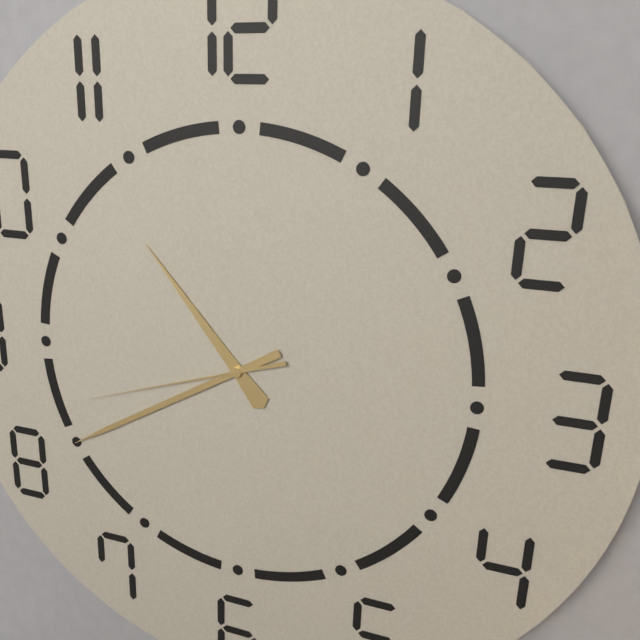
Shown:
10.40.42
